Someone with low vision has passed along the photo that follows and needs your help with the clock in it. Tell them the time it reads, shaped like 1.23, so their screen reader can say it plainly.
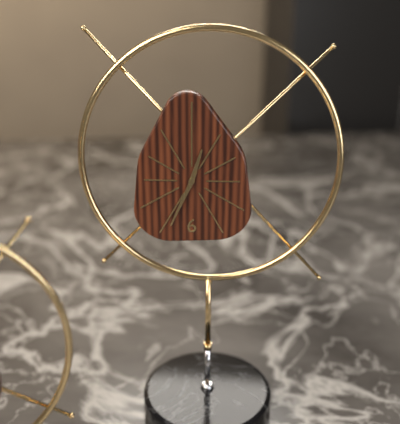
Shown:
12.34
